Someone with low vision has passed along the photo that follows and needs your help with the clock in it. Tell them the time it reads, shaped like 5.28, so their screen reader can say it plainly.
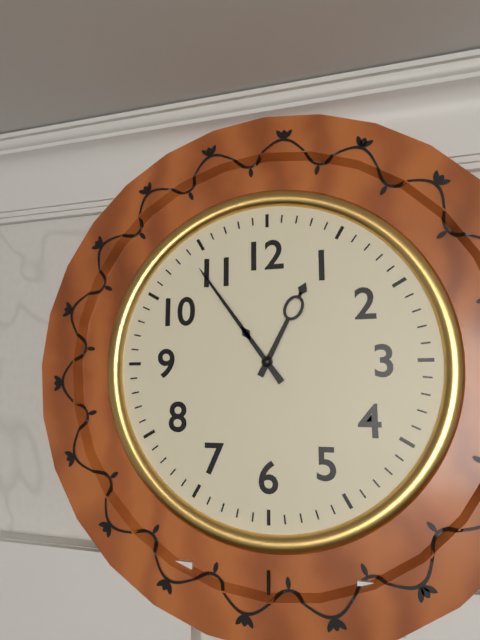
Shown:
12.54
